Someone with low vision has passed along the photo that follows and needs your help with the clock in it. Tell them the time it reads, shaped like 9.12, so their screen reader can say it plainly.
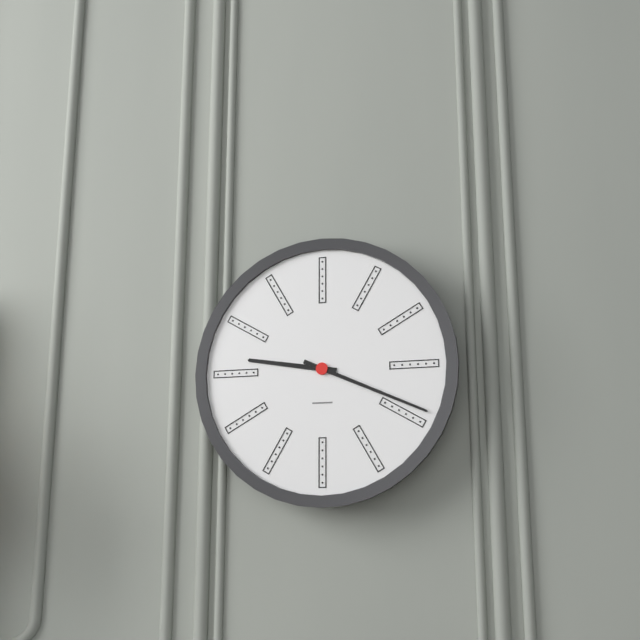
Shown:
9.19
